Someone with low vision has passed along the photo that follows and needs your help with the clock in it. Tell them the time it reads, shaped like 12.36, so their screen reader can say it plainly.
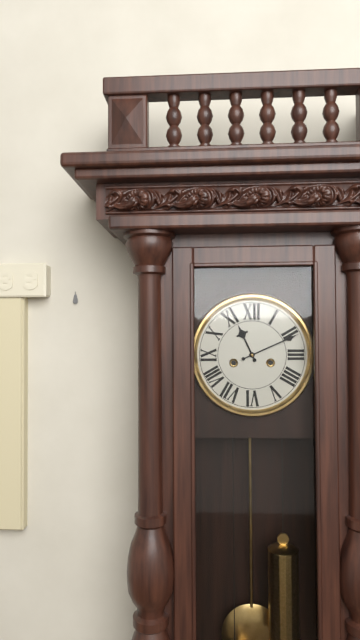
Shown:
11.11
